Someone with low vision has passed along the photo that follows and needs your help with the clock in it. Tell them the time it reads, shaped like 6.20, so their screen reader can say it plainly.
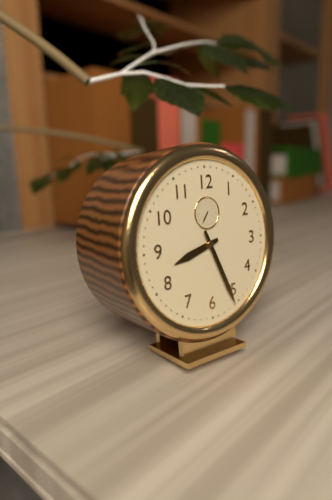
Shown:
8.26
